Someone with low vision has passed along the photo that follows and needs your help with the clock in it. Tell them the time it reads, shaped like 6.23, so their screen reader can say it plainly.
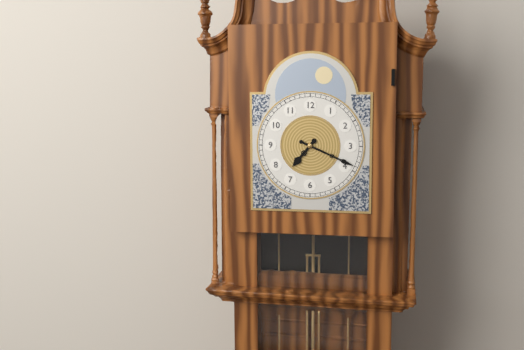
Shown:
7.19
